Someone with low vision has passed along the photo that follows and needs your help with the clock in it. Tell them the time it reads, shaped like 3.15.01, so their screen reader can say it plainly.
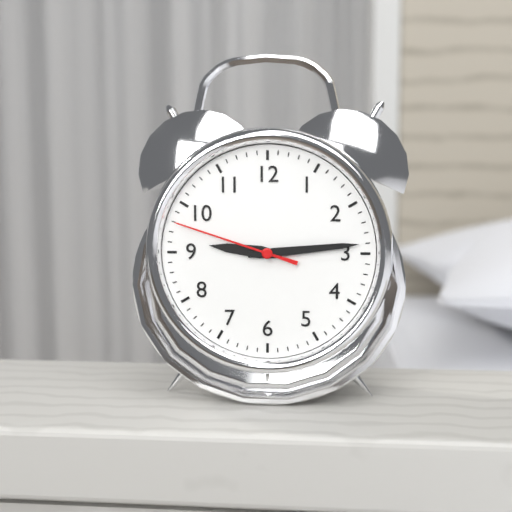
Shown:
9.14.48
